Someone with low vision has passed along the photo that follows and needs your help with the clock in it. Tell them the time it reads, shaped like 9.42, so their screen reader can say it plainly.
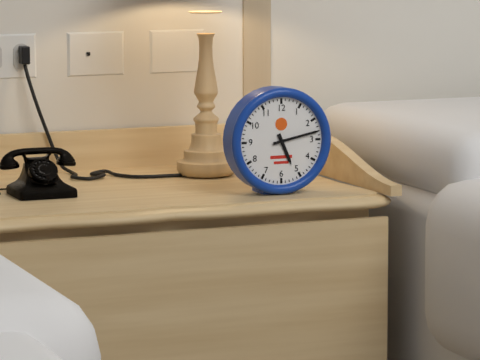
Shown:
5.13
